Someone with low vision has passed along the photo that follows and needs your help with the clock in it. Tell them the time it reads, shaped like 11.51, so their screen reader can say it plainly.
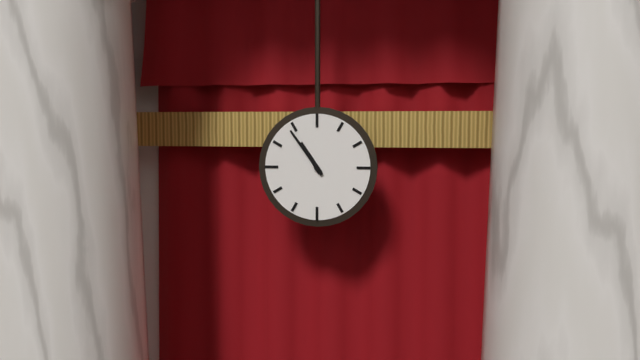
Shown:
10.54
